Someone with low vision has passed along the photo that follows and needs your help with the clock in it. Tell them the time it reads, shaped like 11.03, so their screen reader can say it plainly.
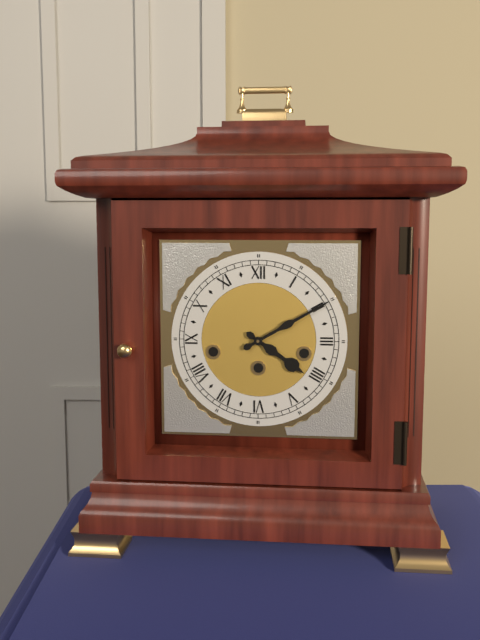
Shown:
4.10
